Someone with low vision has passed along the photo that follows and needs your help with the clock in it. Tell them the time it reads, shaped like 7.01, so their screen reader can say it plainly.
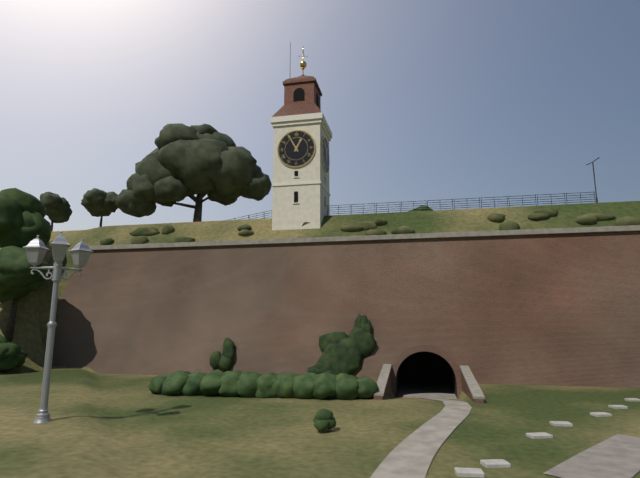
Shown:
12.55
